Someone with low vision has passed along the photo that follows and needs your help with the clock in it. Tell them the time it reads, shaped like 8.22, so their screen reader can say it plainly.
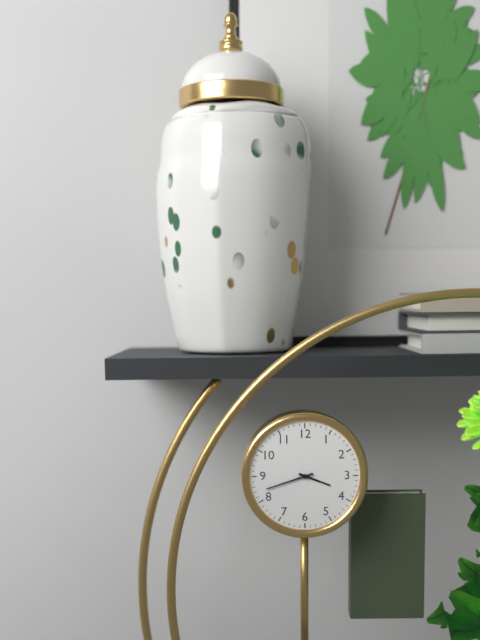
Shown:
3.42
